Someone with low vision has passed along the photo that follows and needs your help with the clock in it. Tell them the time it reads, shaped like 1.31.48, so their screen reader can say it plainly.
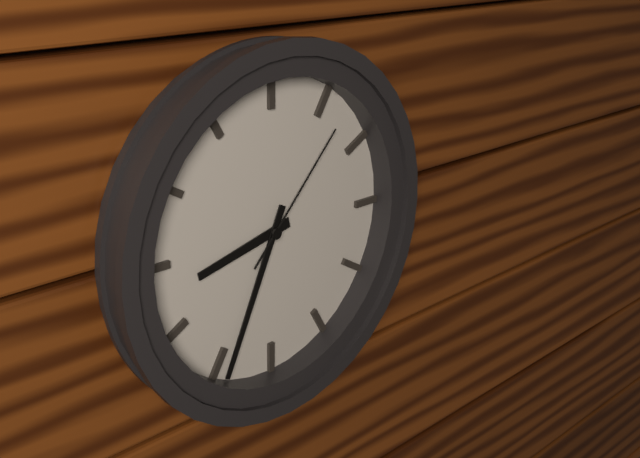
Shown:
8.34.07
